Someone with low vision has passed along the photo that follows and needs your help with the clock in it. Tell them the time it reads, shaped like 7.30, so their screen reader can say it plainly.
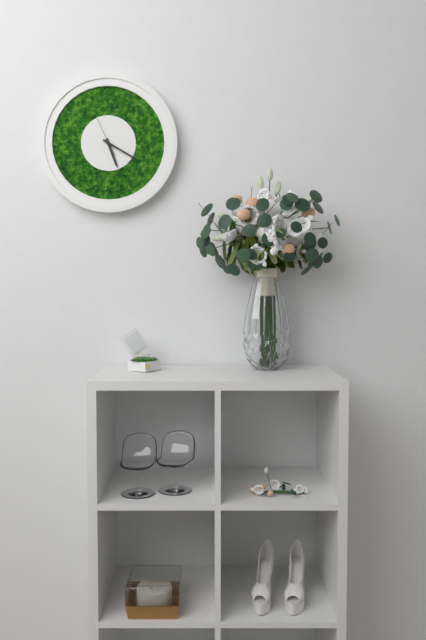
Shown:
5.20
